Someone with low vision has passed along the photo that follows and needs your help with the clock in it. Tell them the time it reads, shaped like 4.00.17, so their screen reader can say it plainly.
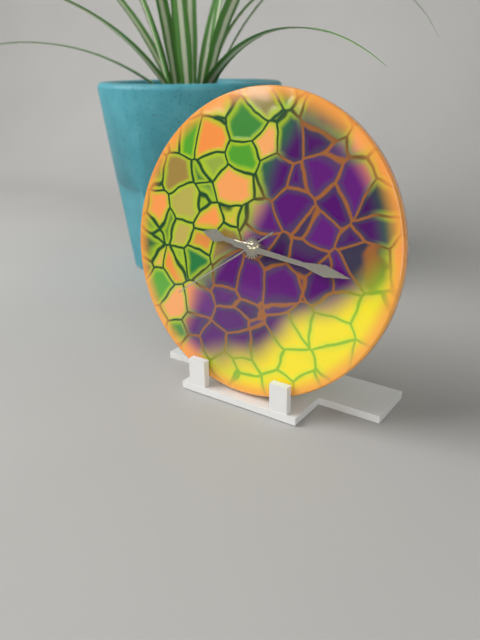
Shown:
9.16.39
